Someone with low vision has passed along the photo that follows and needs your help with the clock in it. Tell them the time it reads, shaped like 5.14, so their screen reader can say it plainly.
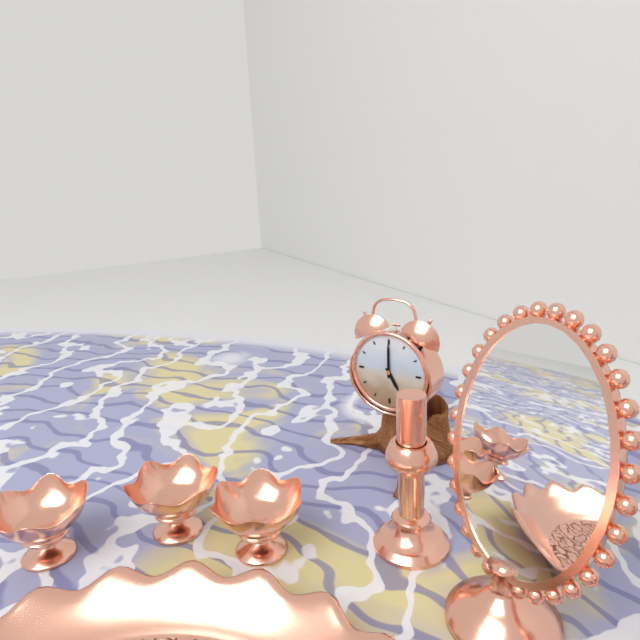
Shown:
5.00
